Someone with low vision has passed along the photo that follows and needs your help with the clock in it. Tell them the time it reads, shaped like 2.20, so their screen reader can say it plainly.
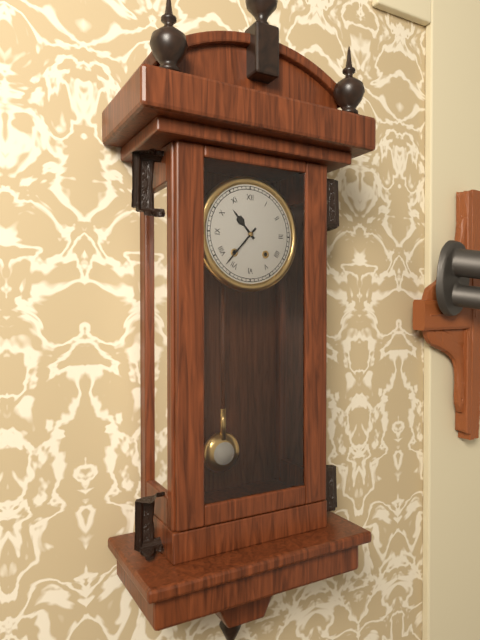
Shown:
10.37
